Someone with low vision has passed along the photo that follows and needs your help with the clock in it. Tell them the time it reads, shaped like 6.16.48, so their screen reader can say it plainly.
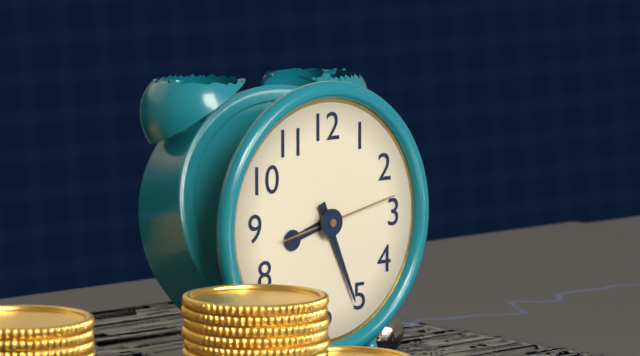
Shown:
8.26.13
